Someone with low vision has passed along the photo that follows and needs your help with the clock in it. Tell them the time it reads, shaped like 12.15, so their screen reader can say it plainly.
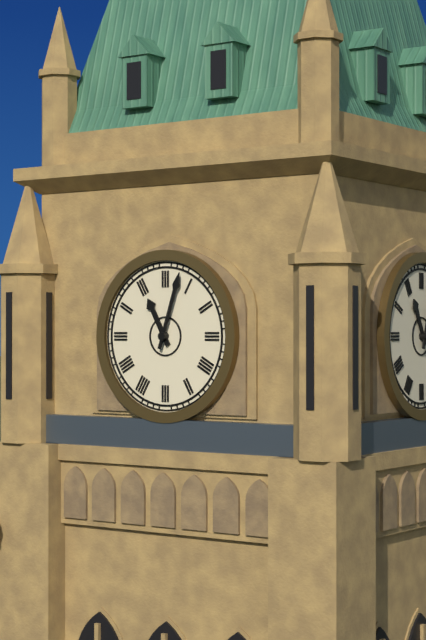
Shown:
11.03
